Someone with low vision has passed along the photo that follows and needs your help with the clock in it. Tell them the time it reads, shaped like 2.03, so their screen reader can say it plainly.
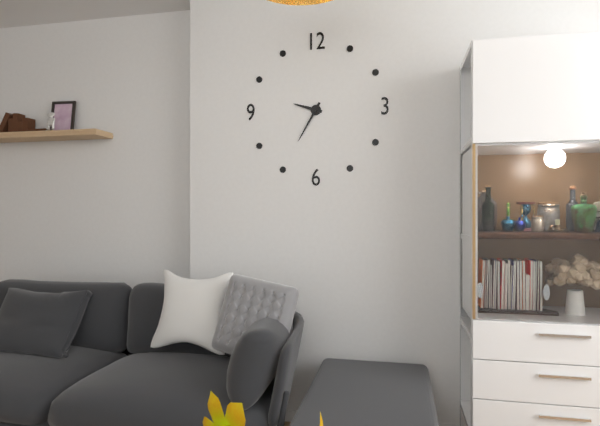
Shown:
9.35
